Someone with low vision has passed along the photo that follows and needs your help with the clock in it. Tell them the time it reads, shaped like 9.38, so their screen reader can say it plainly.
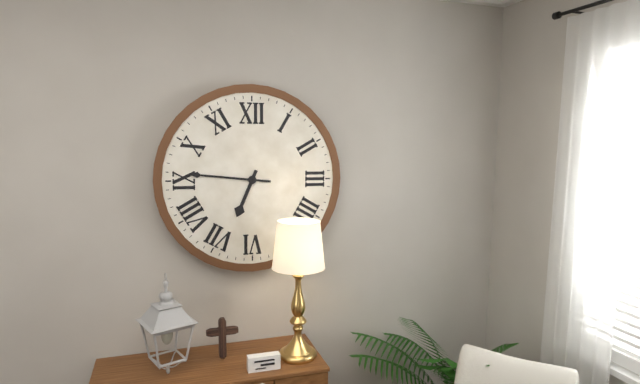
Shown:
6.46
